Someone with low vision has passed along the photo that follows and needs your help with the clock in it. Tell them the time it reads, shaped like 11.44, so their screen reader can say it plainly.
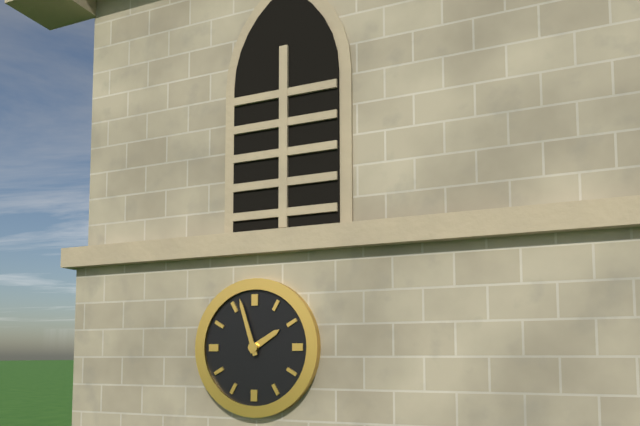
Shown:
1.57
